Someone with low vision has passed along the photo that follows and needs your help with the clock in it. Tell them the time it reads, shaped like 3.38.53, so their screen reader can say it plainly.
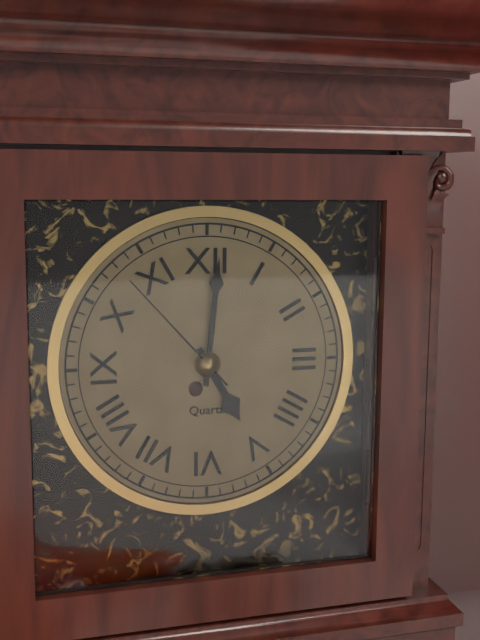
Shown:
5.01.53
